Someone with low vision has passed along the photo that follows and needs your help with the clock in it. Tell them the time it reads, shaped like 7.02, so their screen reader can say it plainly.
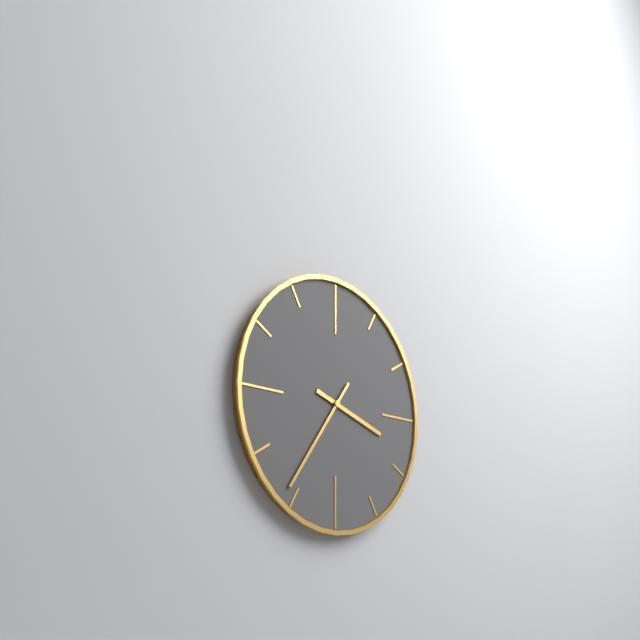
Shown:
3.36
